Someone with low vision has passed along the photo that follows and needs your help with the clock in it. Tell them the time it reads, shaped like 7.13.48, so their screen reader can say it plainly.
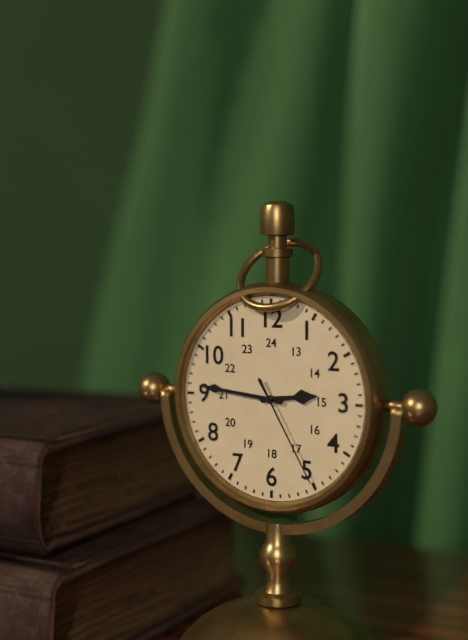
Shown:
2.46.25
